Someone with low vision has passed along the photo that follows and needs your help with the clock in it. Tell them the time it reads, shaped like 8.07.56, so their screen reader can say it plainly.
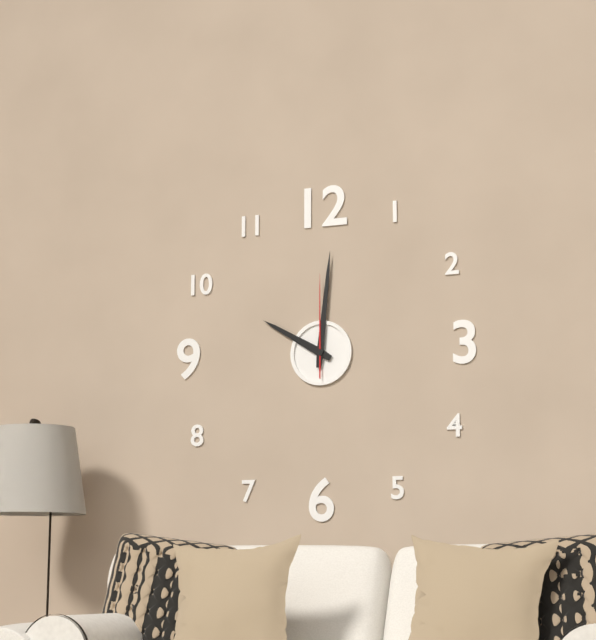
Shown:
10.01.00
